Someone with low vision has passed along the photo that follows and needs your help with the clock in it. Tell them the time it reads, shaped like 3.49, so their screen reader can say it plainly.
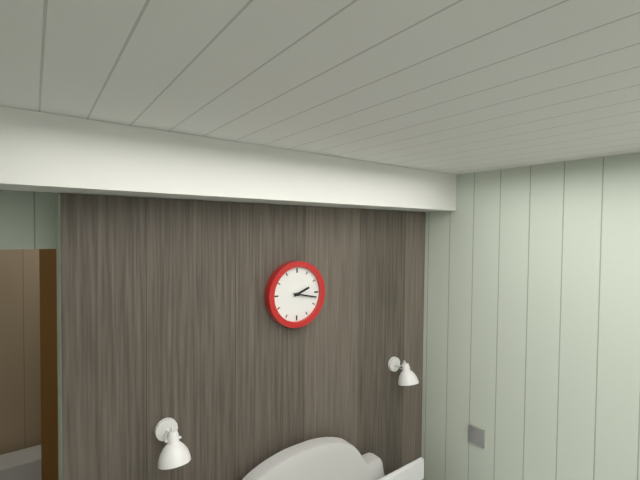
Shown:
2.17
